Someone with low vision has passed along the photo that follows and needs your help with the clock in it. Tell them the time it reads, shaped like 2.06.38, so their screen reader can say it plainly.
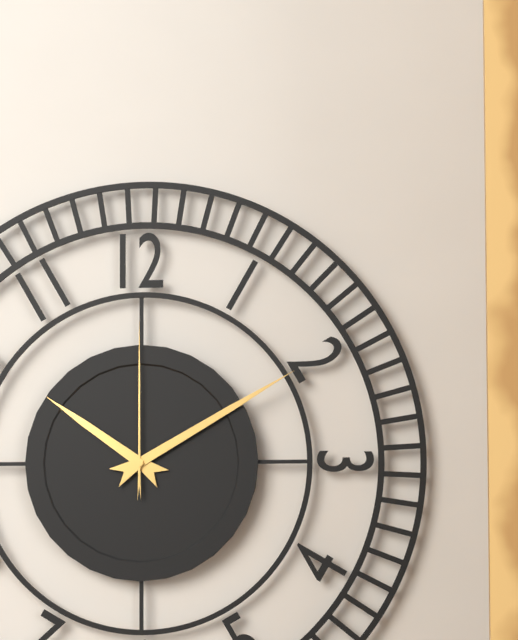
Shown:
10.10.00
